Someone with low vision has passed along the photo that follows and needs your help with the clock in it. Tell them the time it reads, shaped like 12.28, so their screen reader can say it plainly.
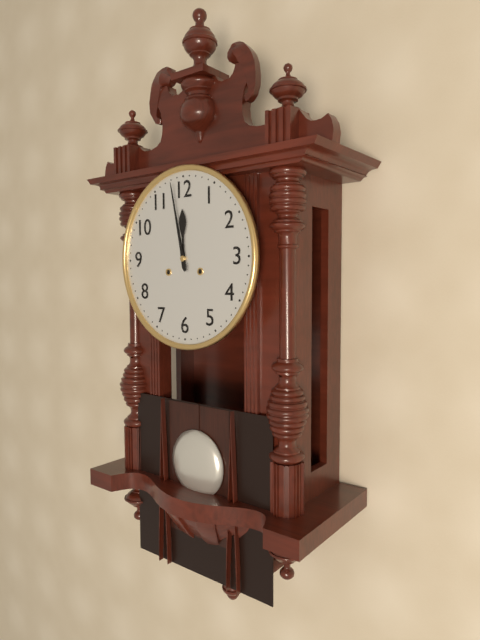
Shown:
11.58
